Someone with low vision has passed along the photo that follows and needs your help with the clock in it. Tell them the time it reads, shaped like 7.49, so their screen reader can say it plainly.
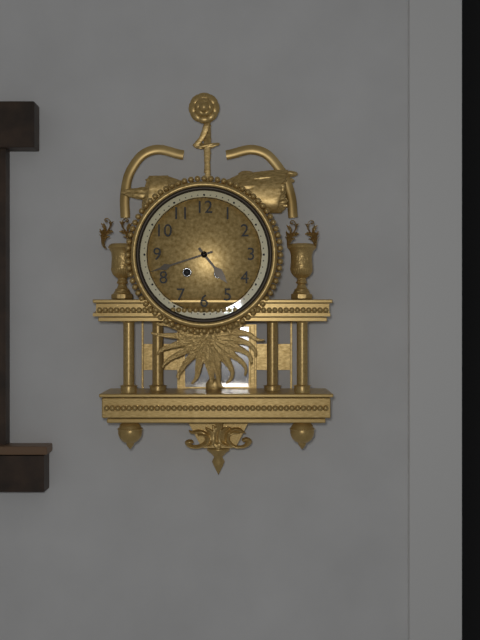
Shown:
4.42
